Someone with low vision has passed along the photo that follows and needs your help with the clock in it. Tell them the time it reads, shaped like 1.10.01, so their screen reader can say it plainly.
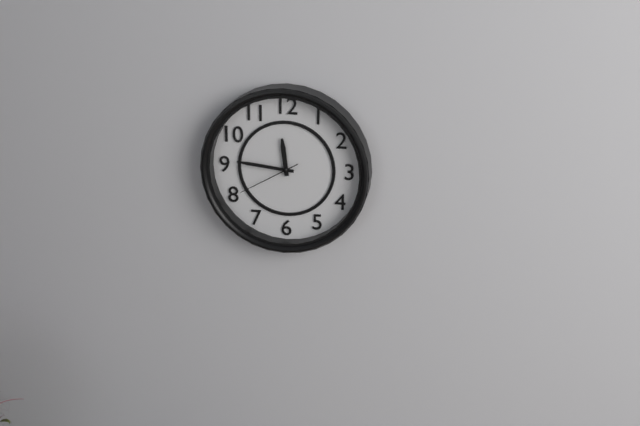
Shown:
11.46.40
